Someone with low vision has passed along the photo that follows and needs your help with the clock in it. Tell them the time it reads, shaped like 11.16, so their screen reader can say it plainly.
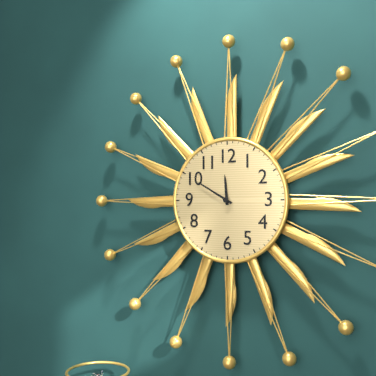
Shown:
11.50
